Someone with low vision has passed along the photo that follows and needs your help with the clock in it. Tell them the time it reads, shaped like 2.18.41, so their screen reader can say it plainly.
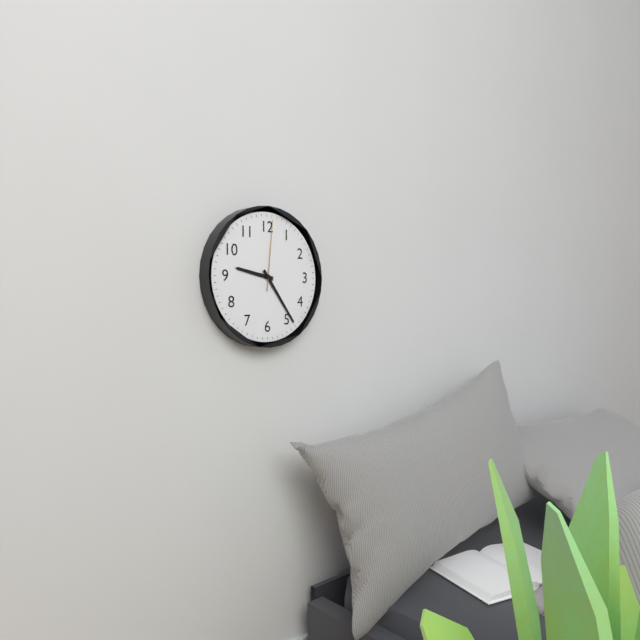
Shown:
9.24.01
